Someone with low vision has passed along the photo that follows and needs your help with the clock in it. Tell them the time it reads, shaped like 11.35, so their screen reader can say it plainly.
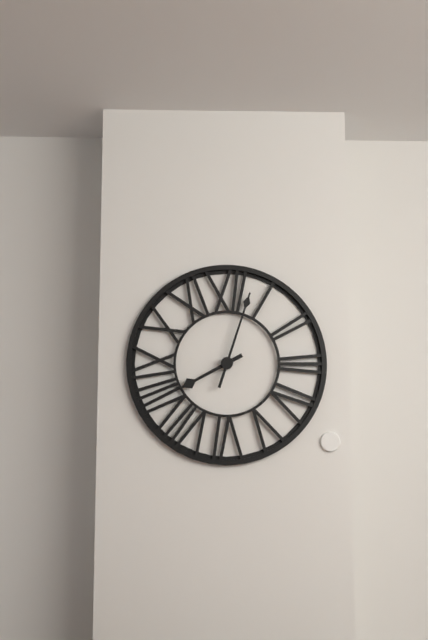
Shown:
8.03
